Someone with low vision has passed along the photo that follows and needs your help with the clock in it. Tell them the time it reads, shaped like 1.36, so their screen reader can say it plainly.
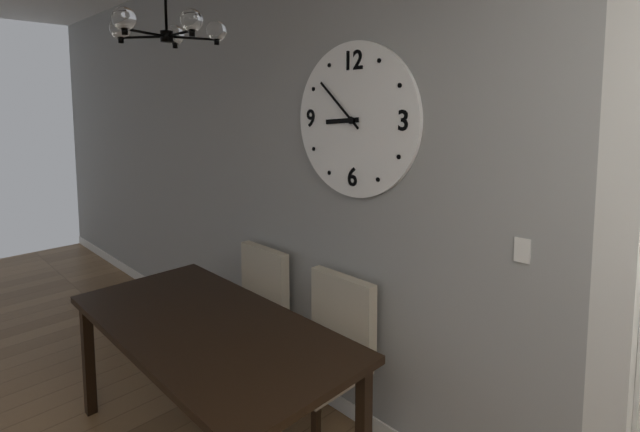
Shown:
8.52
